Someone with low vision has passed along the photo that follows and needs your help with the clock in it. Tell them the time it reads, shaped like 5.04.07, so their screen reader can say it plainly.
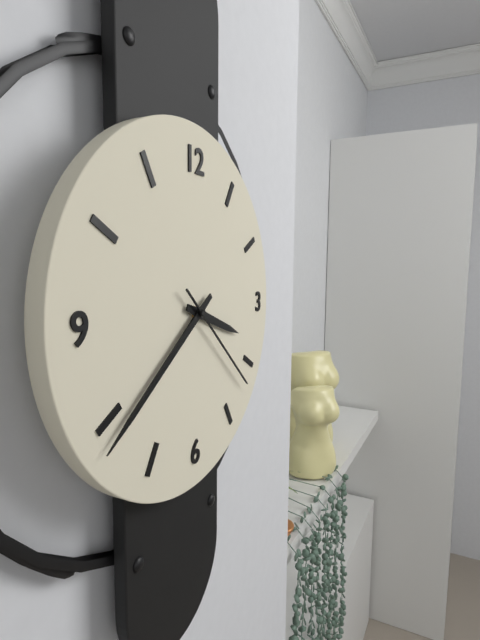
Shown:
3.39.22
